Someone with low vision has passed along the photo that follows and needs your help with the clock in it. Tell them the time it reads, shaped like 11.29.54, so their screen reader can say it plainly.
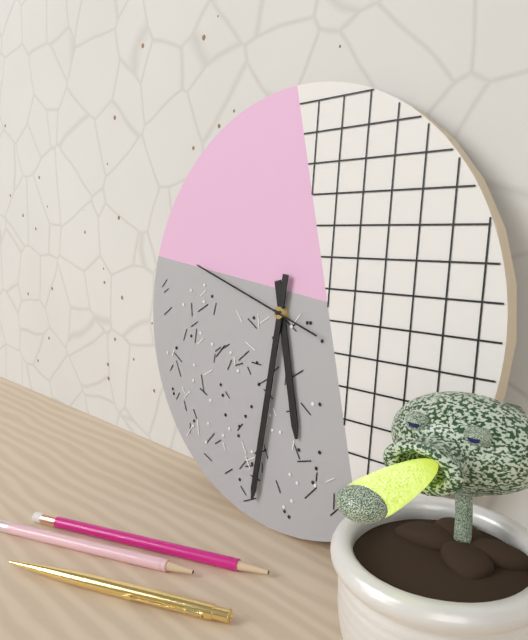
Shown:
5.31.48
